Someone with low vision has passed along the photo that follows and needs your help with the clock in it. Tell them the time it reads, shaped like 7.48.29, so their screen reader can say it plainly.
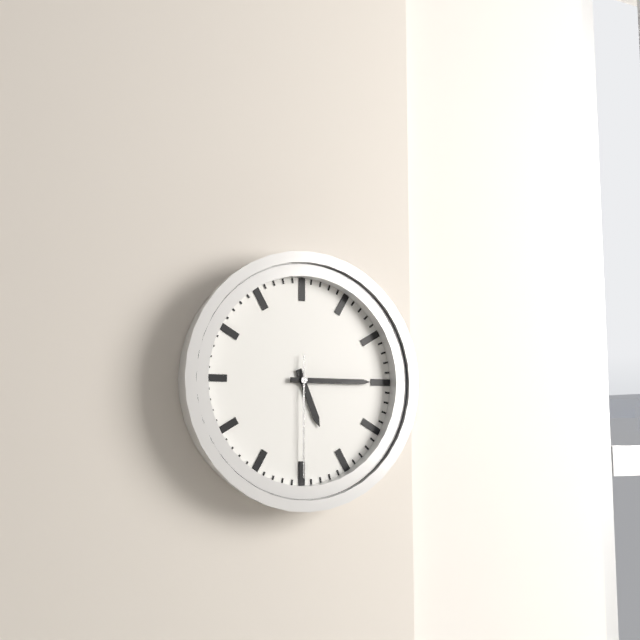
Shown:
5.15.30
